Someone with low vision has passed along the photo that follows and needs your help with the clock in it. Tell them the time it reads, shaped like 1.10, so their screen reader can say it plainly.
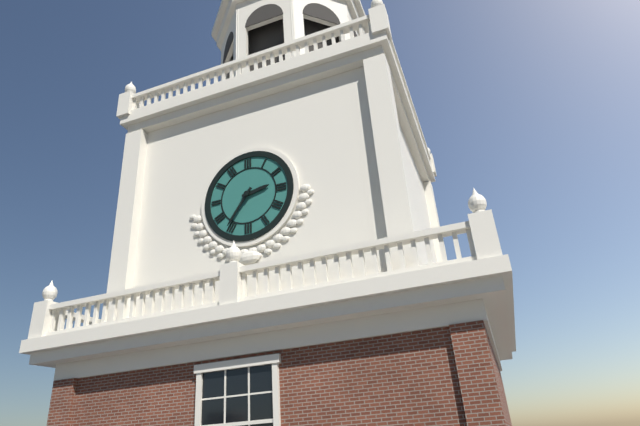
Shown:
2.36
